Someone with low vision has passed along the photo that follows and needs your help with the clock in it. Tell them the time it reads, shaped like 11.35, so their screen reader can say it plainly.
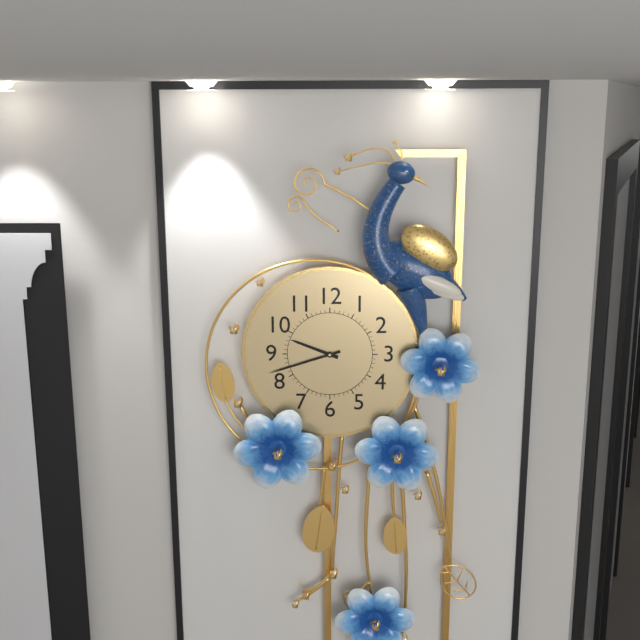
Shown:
9.42
